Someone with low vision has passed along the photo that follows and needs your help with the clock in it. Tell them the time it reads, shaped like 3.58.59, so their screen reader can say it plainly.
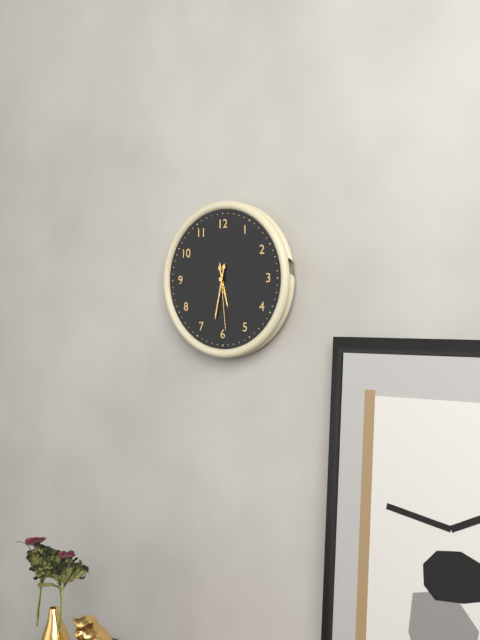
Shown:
5.32.29
